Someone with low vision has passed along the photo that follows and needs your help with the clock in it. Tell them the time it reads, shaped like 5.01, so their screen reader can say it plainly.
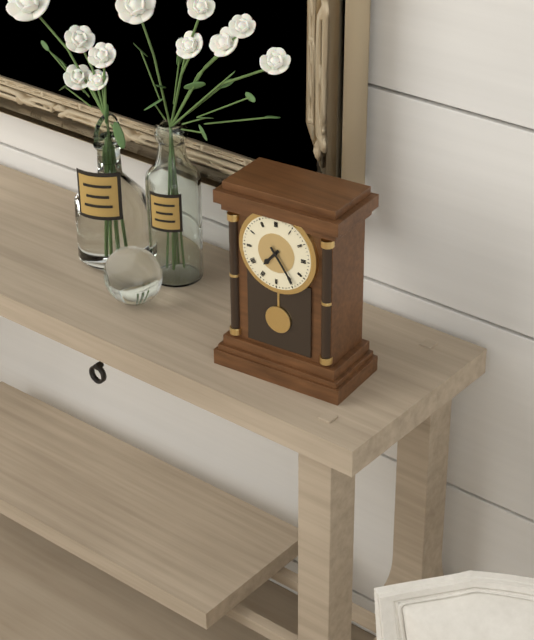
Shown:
7.24
